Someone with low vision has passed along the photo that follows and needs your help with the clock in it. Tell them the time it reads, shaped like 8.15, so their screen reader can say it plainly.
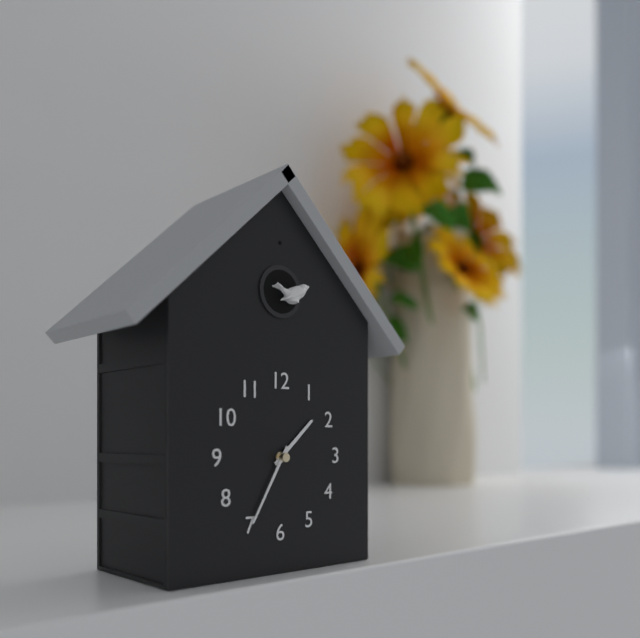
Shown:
1.35
